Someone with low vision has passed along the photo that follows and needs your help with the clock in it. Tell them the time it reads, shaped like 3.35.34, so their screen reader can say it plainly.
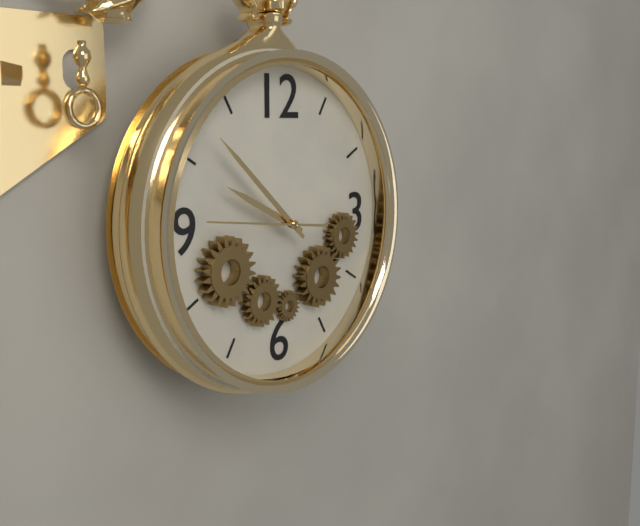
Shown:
9.52.46
